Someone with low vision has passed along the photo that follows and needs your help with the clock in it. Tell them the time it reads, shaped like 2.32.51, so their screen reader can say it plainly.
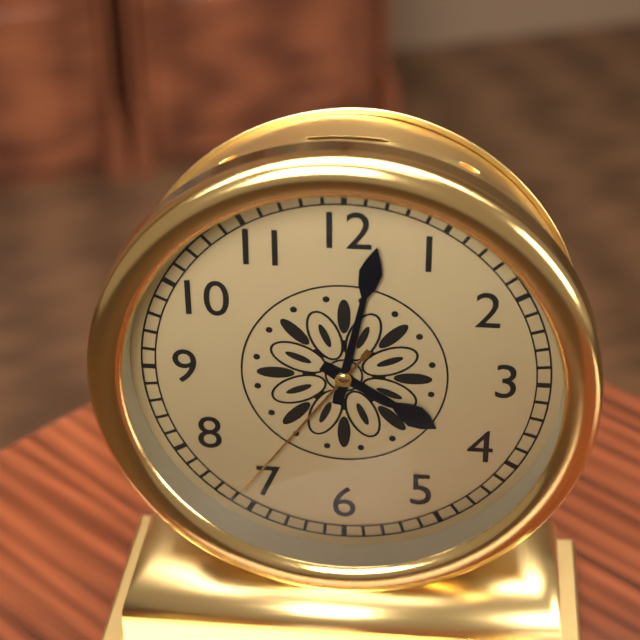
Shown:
4.02.36
